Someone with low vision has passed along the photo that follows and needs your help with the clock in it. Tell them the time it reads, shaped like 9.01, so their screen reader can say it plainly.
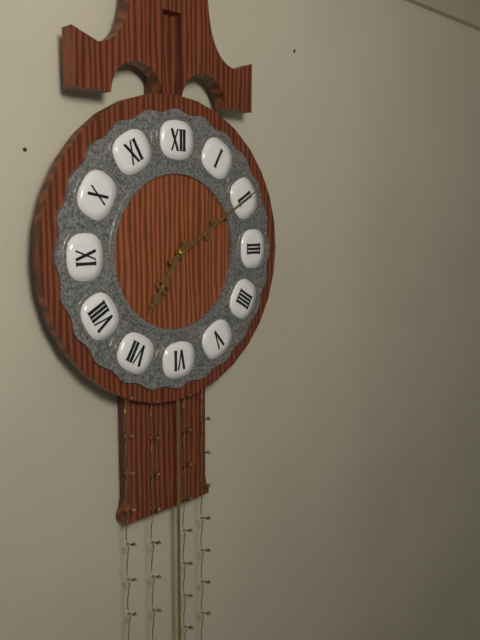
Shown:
7.10
